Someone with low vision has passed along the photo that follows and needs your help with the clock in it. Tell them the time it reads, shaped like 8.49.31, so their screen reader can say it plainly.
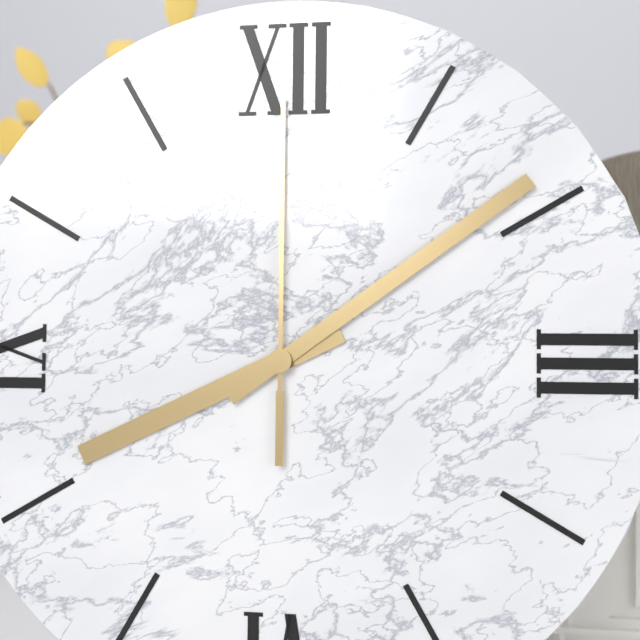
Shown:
8.09.00
